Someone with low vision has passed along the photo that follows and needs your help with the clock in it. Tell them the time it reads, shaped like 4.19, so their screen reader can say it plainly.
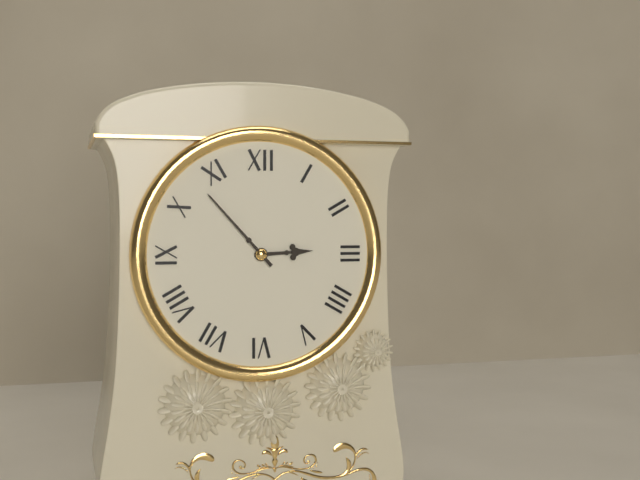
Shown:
2.53
